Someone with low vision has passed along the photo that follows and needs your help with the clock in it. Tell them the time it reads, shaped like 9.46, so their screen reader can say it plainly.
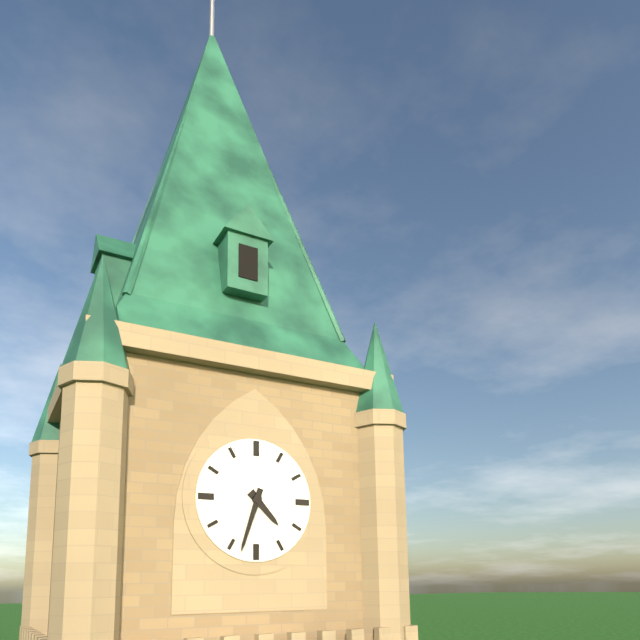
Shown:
4.33
